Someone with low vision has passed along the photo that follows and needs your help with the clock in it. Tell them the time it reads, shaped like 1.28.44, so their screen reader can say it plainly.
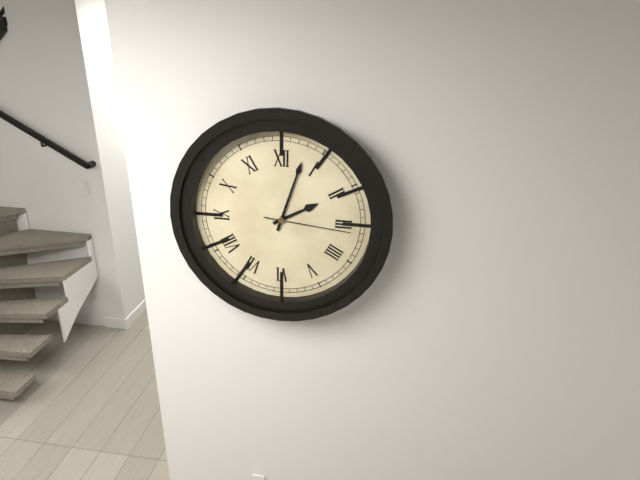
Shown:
2.03.16
